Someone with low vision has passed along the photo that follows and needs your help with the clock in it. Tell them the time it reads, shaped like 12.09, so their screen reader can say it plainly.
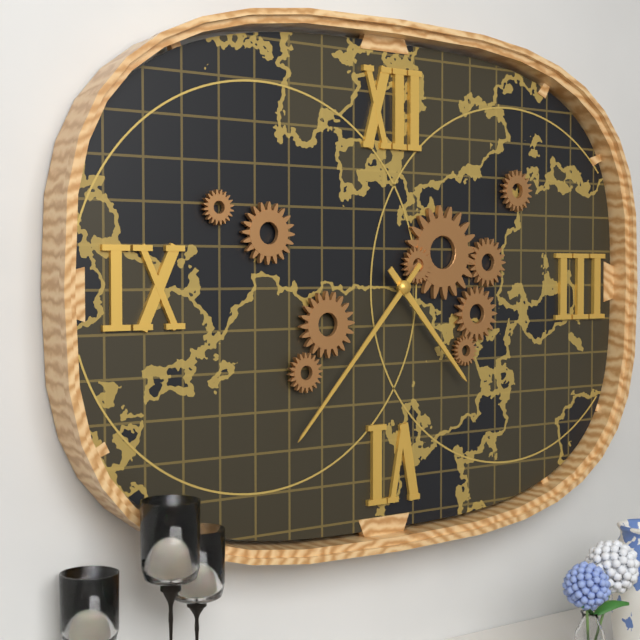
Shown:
4.37
